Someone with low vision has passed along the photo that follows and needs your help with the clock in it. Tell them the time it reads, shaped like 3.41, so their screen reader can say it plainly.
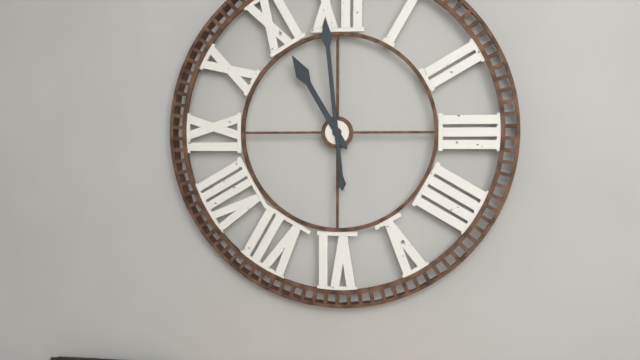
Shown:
10.59
